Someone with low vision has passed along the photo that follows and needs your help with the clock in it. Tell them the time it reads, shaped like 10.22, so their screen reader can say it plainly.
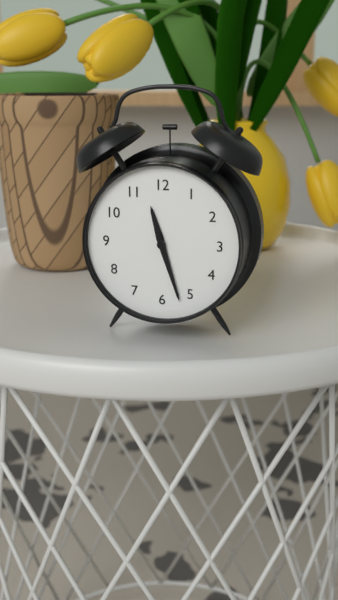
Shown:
11.27
